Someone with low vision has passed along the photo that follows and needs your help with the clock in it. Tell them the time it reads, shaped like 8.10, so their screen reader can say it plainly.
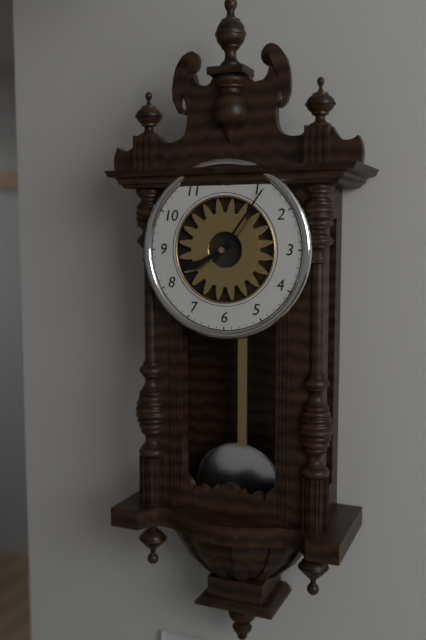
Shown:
8.06
